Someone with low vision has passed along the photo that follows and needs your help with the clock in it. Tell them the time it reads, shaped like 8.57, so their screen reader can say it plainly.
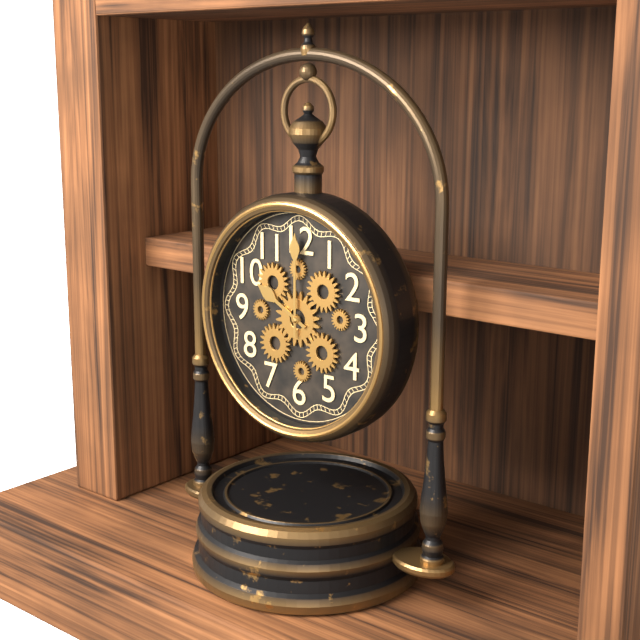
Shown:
10.00
